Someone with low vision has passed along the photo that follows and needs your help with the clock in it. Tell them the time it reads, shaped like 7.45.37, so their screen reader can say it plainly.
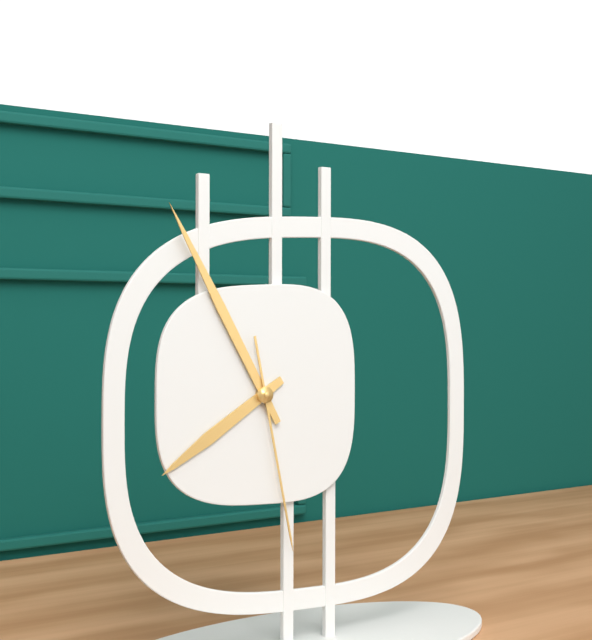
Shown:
7.55.28
